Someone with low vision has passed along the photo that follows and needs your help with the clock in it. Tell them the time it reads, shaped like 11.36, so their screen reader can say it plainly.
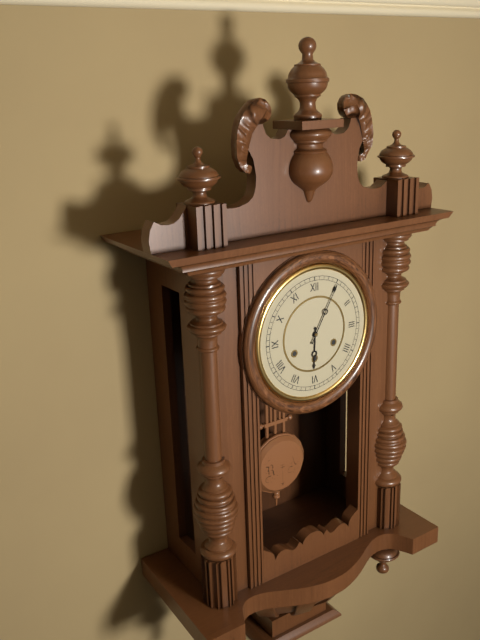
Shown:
6.05
